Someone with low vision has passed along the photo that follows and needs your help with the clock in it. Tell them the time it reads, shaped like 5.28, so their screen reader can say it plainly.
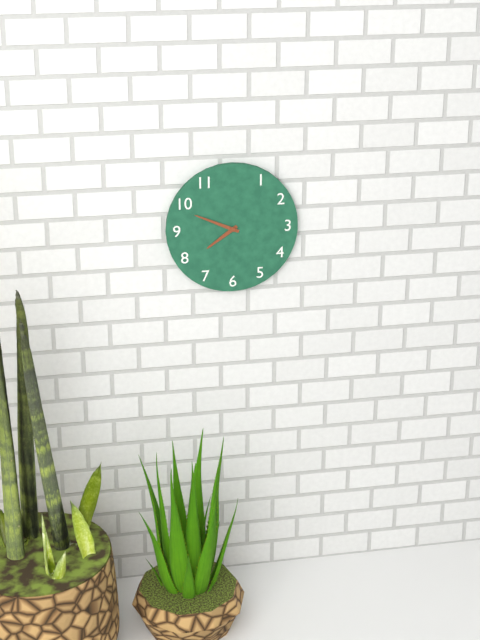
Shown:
7.49
